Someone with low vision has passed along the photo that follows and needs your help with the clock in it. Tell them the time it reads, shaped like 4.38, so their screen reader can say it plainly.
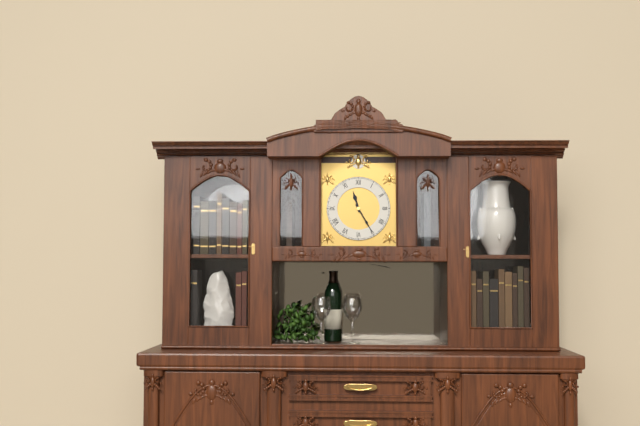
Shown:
11.25
